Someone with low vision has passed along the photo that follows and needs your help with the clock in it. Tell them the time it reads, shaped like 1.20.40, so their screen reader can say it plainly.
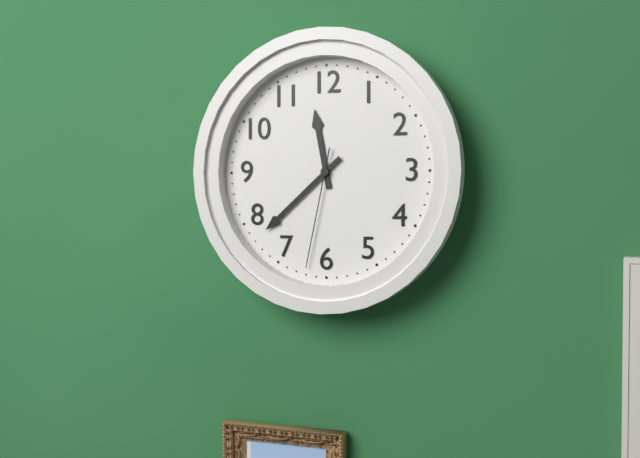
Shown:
11.38.32
